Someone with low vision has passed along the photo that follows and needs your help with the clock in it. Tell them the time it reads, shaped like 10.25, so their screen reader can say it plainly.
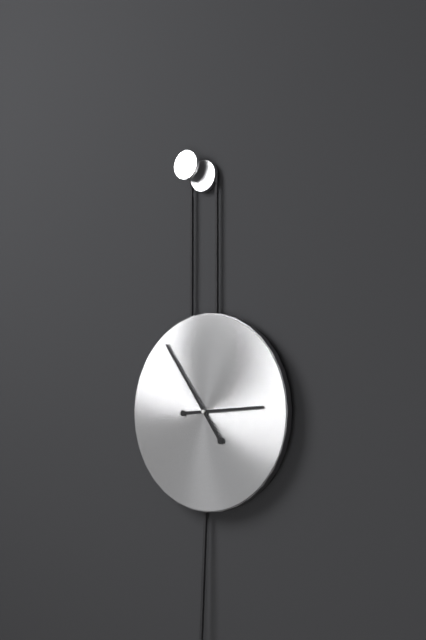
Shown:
2.54
